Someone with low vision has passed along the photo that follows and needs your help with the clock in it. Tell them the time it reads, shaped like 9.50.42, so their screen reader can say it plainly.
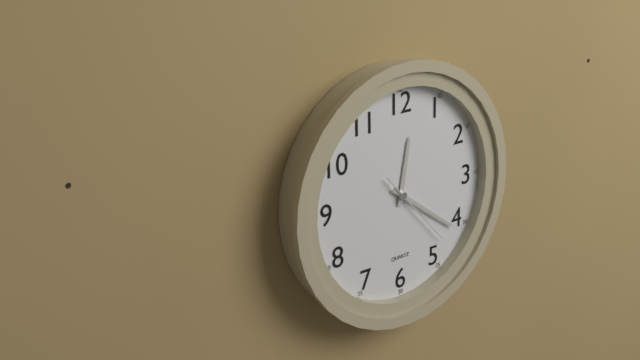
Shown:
12.21.23
